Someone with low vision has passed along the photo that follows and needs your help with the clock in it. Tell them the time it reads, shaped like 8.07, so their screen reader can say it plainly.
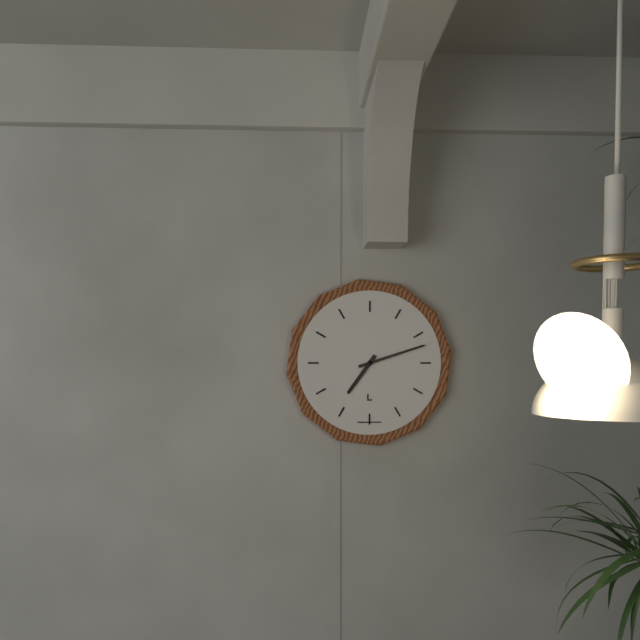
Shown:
7.12
